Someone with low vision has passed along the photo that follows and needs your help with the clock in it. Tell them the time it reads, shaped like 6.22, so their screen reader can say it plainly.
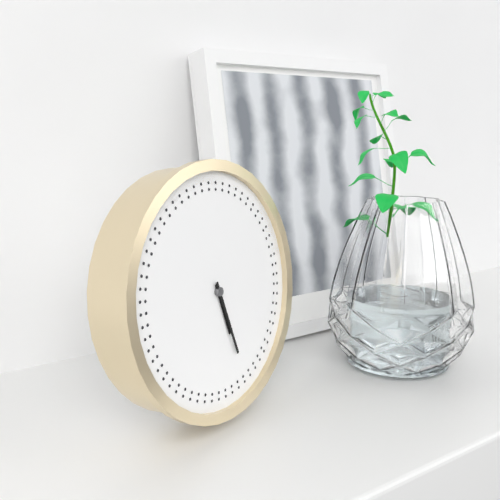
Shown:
5.27
